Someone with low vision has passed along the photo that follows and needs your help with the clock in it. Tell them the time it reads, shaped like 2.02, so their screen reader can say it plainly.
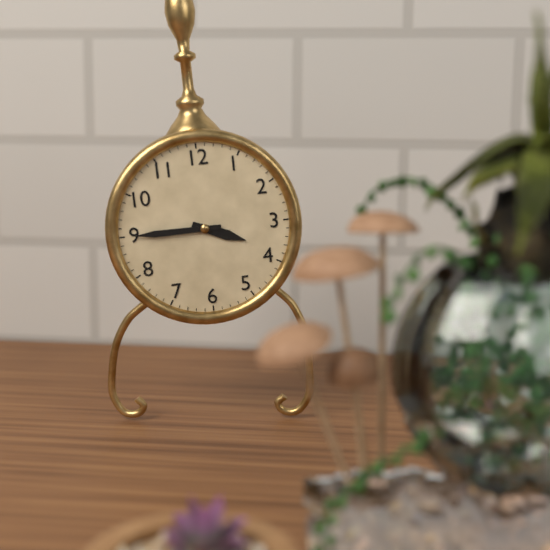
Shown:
3.45
